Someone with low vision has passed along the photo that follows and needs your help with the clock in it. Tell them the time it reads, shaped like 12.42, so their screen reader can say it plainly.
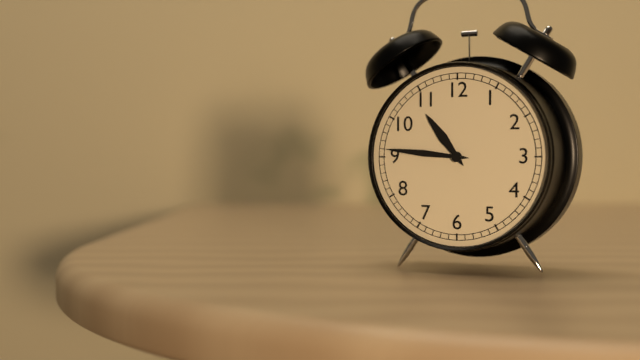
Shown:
10.46
